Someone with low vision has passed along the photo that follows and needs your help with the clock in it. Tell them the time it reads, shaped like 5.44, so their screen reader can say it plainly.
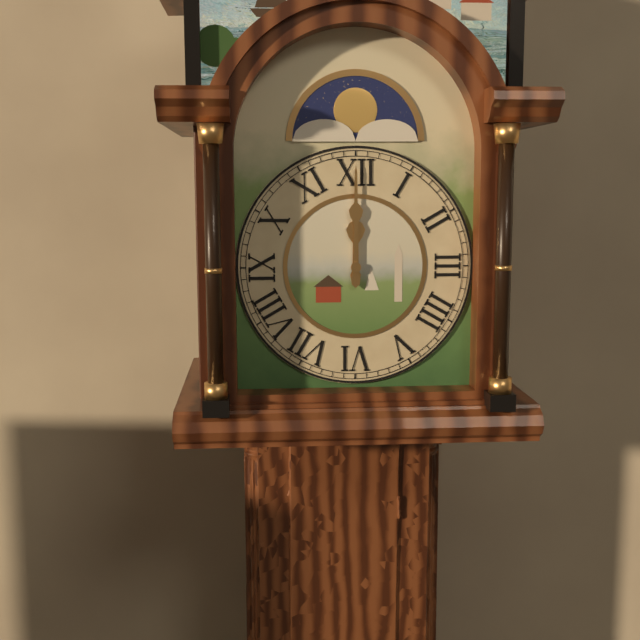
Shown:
12.00
